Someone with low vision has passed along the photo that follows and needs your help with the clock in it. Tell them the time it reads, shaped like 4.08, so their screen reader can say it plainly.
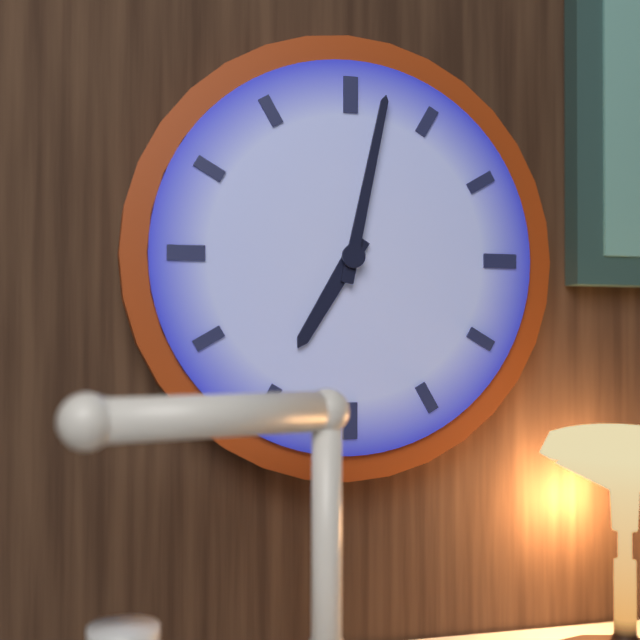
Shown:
7.02
